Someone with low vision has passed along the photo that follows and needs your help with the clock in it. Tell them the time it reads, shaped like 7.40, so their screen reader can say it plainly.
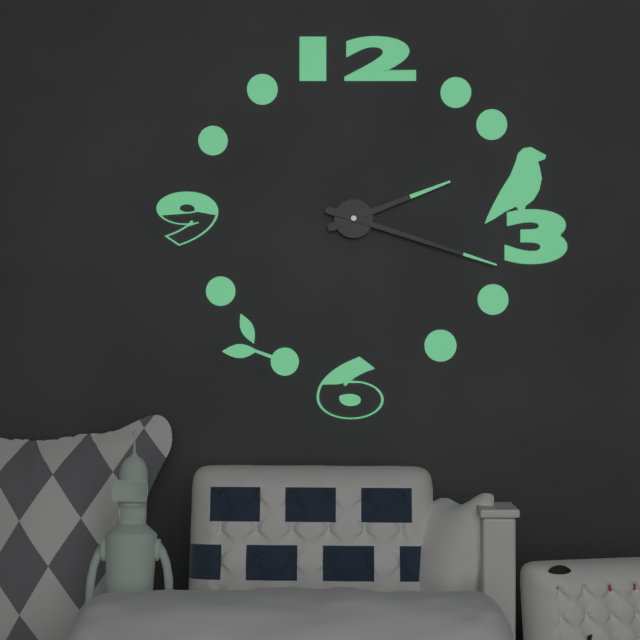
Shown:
2.18
